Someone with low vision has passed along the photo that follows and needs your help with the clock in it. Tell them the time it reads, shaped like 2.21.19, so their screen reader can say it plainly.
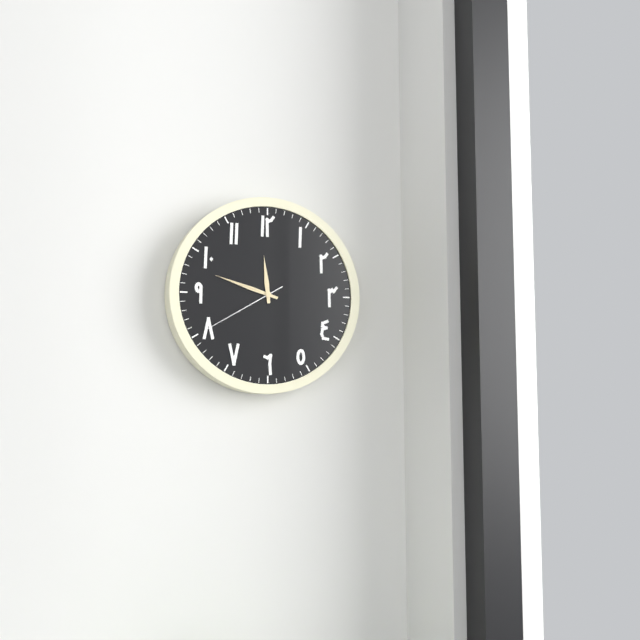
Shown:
11.48.40
